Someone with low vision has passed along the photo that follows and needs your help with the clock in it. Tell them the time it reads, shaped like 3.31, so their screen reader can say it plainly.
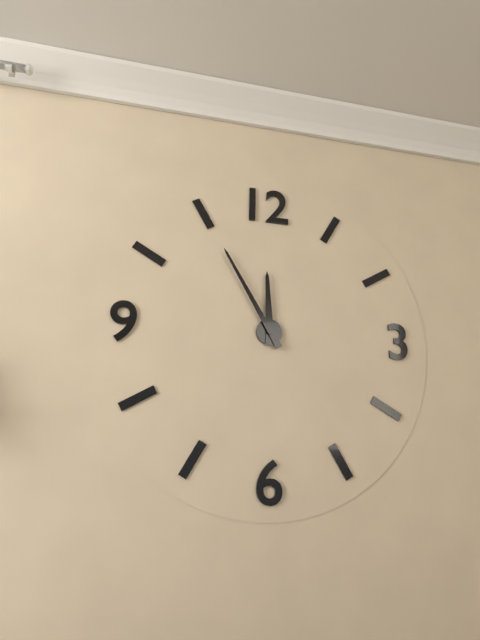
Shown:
11.55
